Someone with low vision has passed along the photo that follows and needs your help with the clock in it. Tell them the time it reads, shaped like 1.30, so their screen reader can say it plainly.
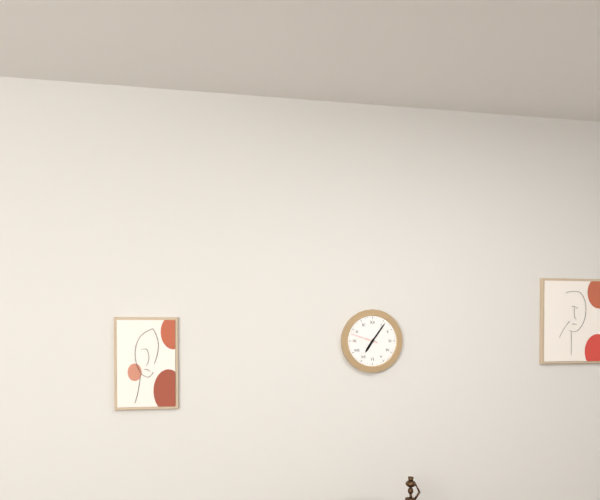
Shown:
7.06
